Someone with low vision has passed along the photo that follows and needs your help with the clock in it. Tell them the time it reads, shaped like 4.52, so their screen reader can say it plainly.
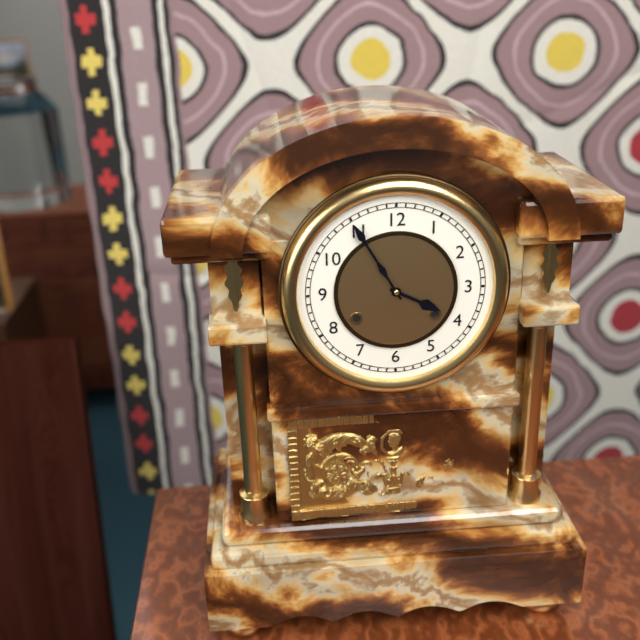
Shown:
3.55
